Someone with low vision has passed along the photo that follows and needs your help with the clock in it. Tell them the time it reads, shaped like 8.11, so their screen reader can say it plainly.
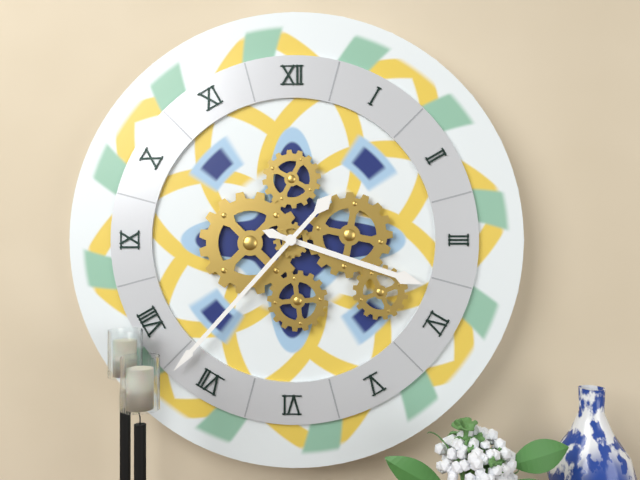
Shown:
3.37
